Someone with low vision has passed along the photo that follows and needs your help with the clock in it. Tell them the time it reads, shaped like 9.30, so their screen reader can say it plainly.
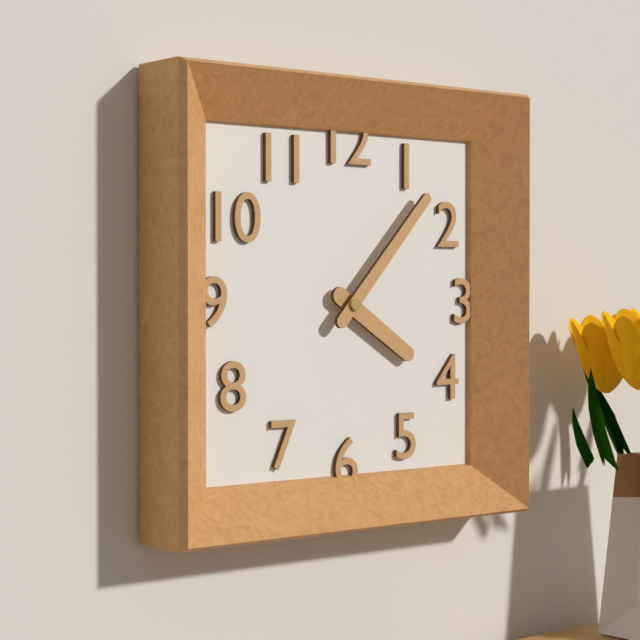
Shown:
4.07
